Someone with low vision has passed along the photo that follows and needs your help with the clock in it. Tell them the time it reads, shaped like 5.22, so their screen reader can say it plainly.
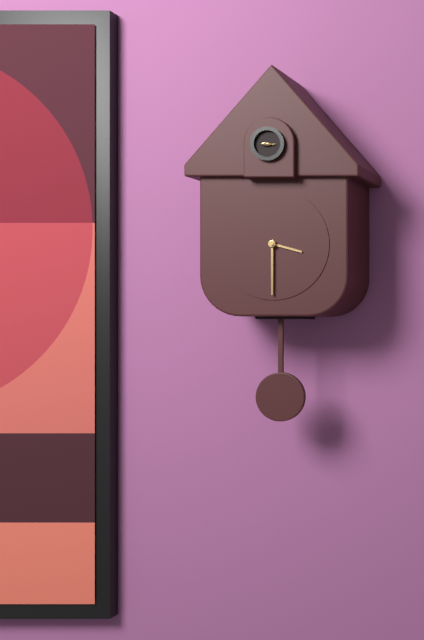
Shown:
3.30
